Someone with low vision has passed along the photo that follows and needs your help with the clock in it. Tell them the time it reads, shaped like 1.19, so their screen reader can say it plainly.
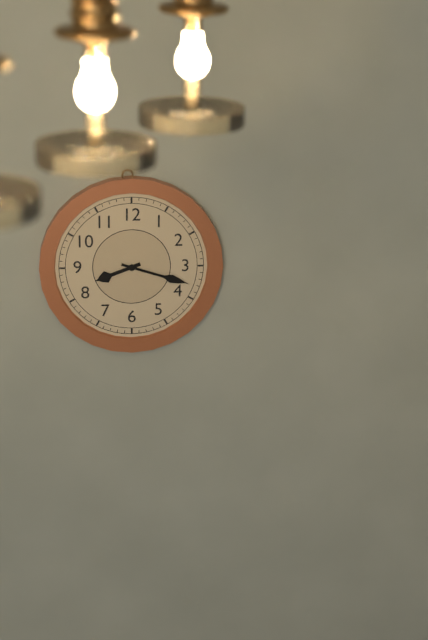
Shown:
8.18
